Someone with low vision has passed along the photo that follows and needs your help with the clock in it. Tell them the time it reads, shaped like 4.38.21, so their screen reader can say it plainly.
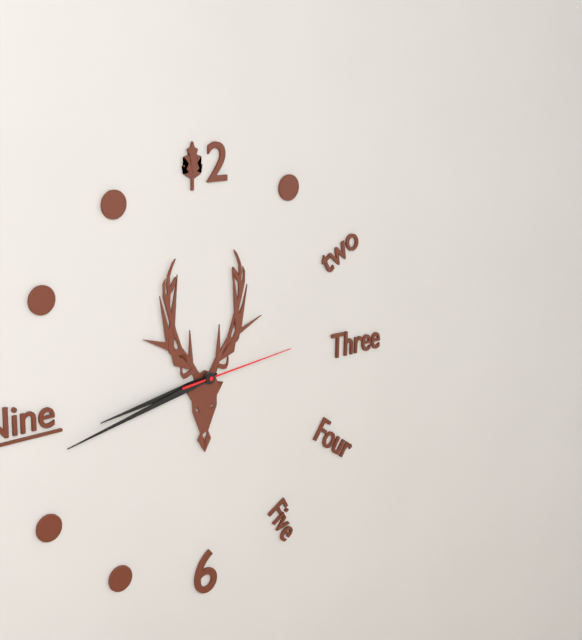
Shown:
8.43.14
